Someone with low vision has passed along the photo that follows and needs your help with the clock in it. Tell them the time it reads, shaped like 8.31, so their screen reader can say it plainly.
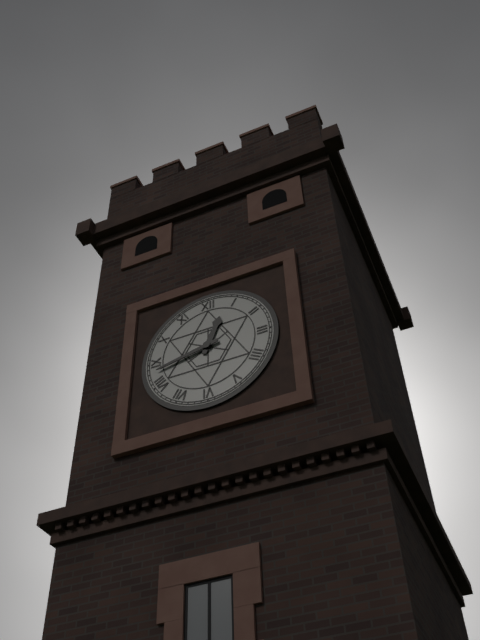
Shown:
12.43
